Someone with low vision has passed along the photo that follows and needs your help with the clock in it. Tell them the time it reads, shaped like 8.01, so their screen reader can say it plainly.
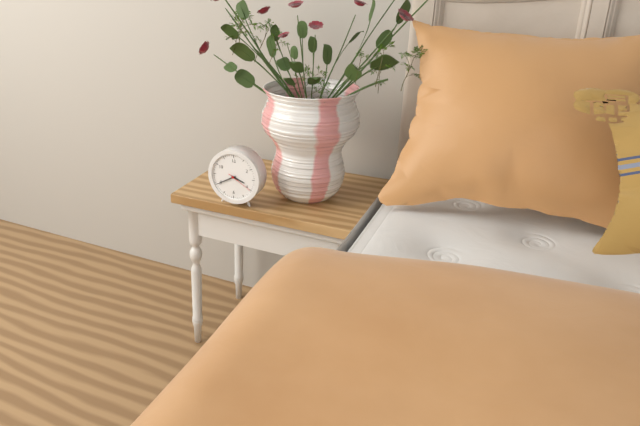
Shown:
3.40
